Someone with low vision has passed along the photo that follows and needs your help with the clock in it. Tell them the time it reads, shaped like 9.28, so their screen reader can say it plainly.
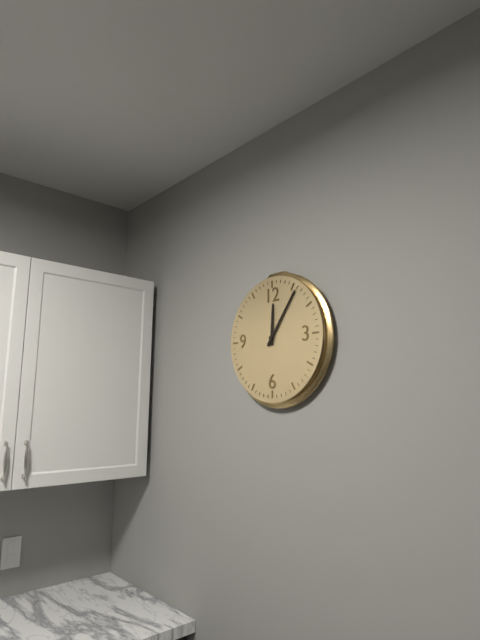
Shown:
12.06
